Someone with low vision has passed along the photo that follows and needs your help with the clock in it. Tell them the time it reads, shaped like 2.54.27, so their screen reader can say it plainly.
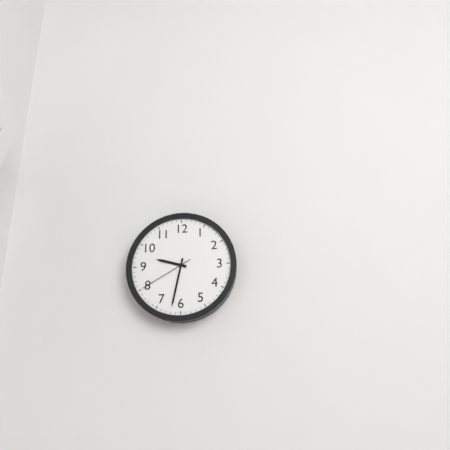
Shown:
9.32.40
